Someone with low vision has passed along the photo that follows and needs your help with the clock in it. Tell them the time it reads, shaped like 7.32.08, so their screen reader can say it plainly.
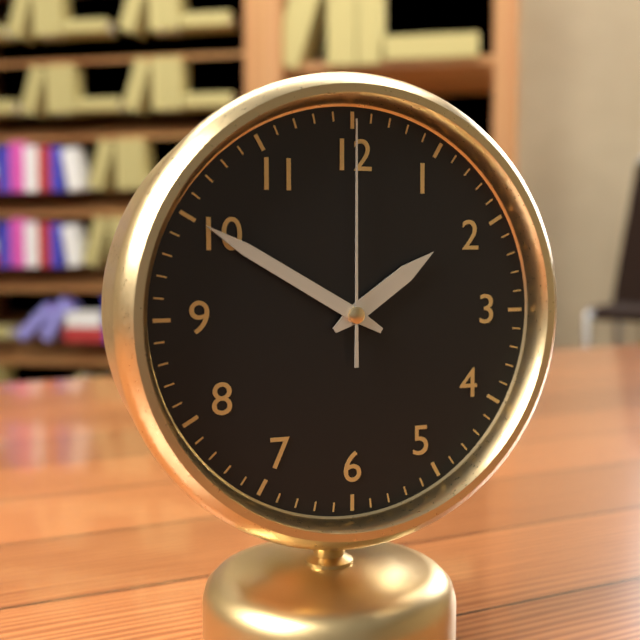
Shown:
1.50.00
